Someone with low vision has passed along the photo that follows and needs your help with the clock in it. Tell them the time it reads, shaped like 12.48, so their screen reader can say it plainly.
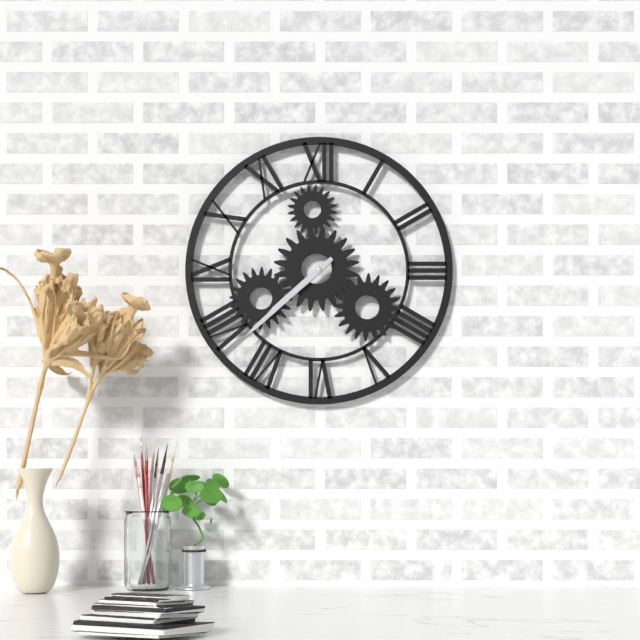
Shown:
7.38
